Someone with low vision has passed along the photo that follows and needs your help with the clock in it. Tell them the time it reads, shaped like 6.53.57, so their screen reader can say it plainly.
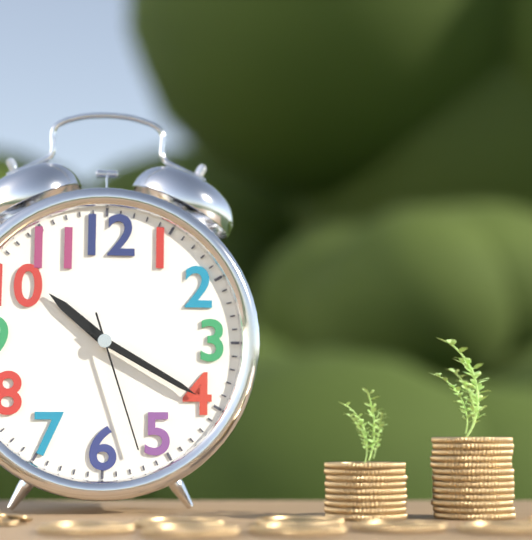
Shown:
10.20.27
